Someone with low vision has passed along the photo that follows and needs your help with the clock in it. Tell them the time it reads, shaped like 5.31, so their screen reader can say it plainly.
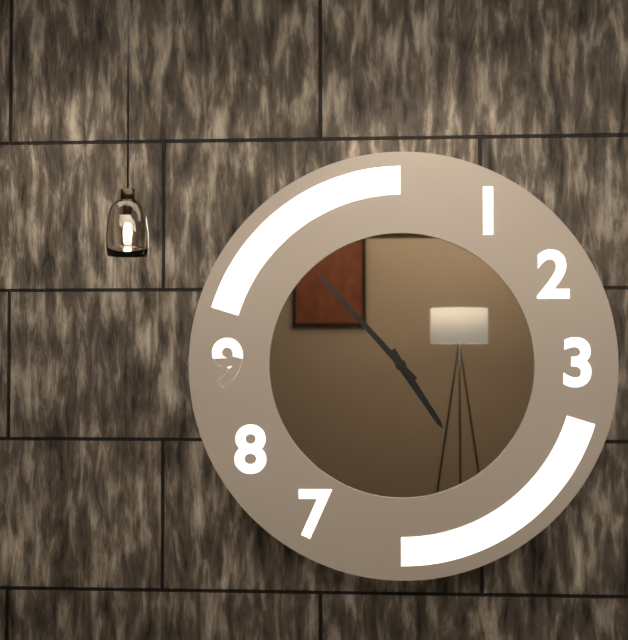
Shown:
4.53
